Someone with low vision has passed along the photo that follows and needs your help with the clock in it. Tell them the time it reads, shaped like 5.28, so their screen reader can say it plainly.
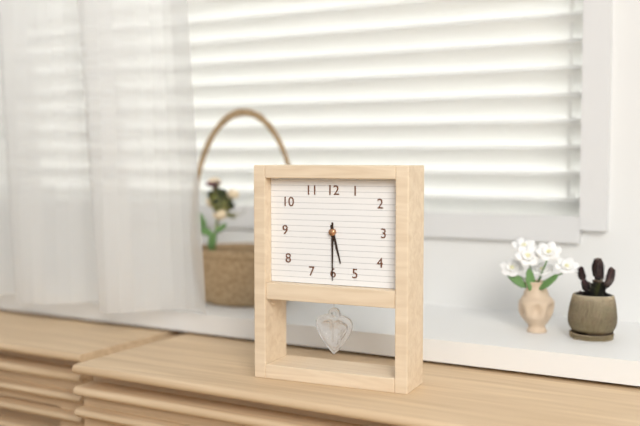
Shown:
5.30
